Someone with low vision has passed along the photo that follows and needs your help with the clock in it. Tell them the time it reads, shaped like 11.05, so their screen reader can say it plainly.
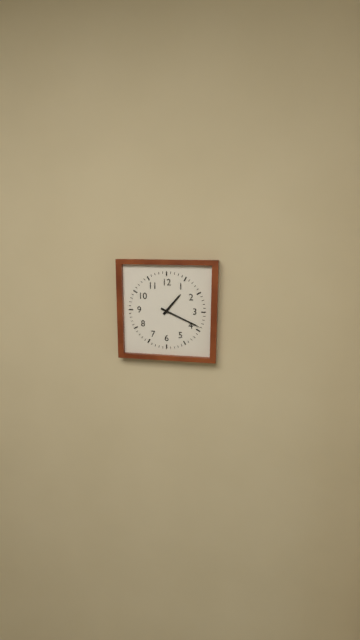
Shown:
1.19
